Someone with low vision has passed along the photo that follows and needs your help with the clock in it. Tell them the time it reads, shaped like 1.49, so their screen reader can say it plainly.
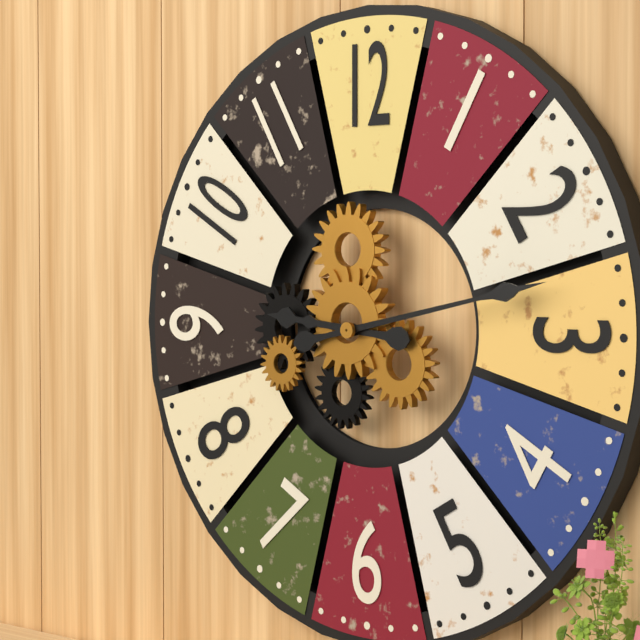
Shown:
9.13
